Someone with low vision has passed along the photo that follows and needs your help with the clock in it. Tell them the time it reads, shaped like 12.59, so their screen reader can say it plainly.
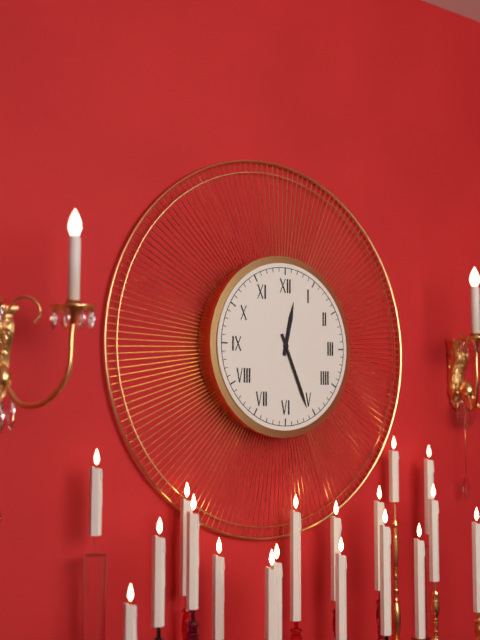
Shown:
12.26
